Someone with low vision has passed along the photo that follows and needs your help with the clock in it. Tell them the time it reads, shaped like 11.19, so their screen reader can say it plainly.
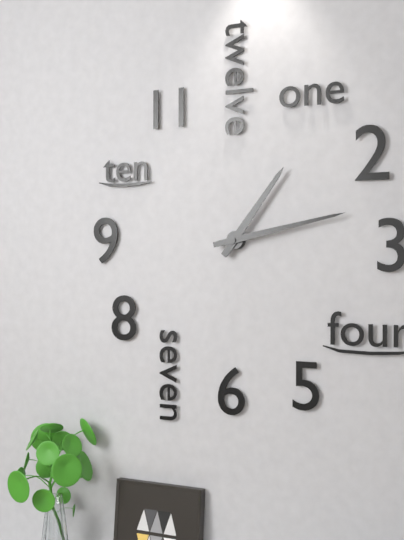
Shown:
1.13
